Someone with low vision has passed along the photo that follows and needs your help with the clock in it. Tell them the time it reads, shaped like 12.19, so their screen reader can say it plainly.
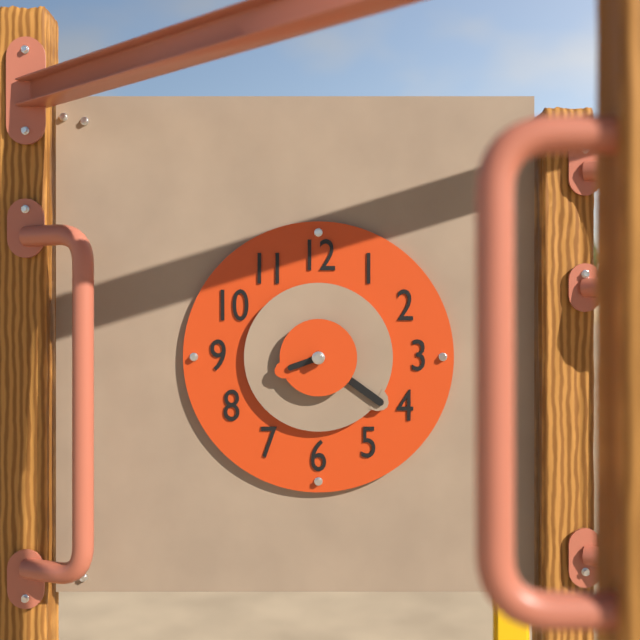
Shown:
8.21
